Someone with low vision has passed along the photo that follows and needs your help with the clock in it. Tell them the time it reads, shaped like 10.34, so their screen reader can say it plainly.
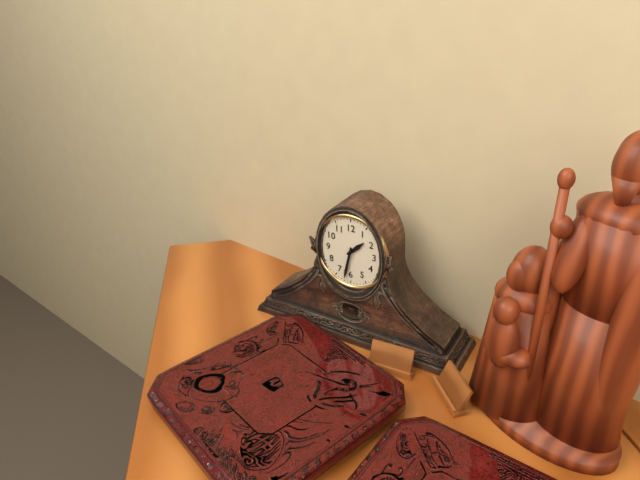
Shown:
1.32
